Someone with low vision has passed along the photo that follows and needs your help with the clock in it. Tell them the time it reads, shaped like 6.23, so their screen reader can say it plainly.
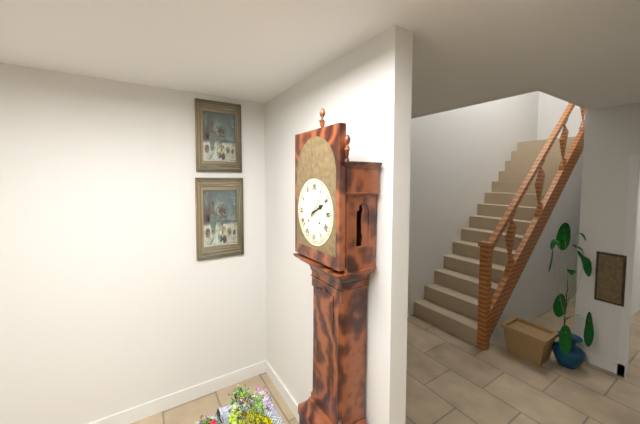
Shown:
2.07
